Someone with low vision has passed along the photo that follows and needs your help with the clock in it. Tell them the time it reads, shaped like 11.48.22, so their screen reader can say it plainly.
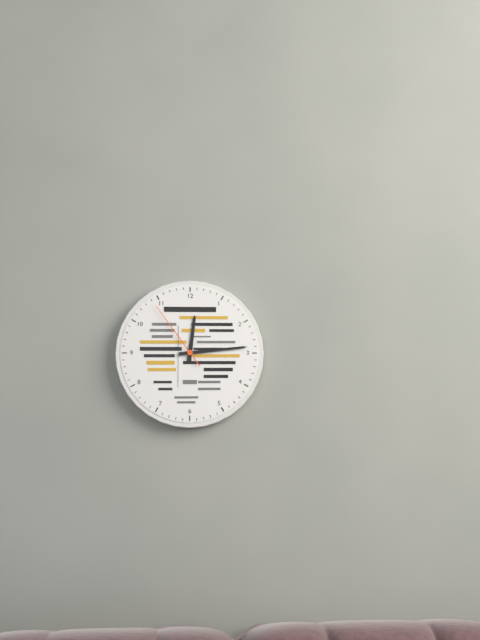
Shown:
12.14.54
